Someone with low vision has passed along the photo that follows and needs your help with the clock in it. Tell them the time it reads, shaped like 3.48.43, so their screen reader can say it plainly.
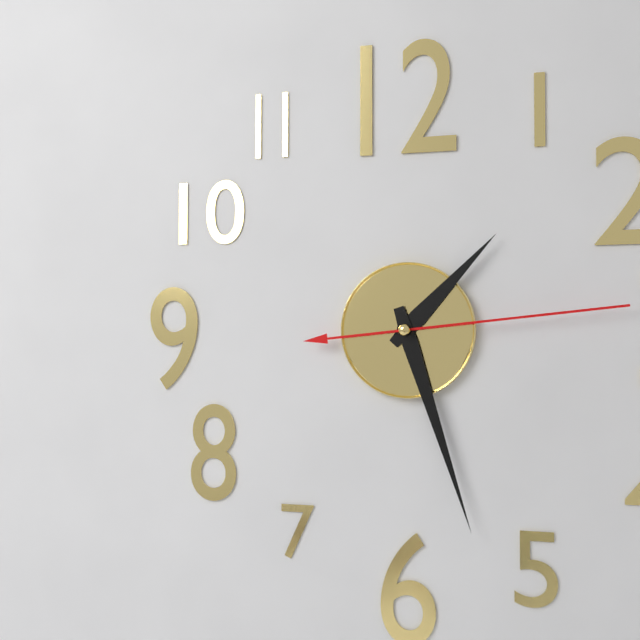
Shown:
1.27.14
